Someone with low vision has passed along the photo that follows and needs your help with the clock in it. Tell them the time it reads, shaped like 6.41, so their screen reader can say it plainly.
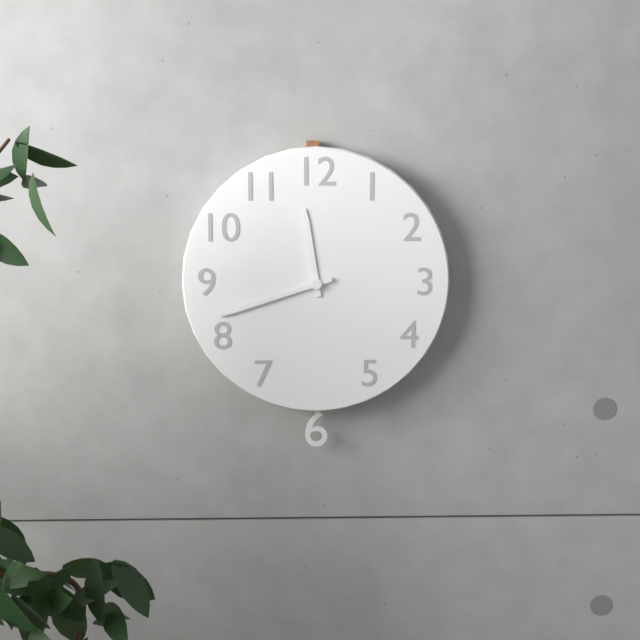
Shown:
11.42
